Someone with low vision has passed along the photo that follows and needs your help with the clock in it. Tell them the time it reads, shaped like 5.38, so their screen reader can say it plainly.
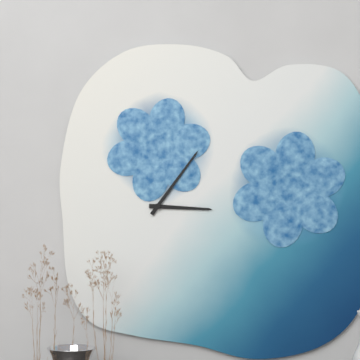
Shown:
3.06
